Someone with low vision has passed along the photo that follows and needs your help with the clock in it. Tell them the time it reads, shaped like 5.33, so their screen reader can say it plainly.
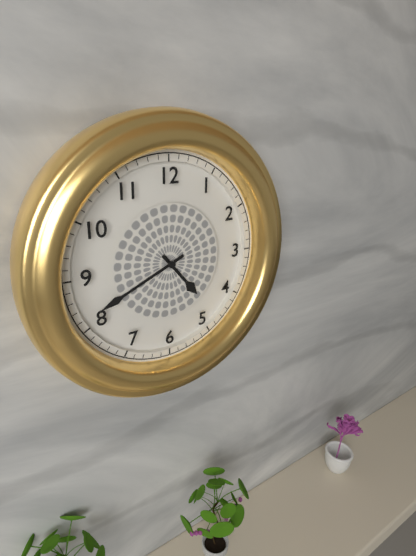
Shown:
4.41
